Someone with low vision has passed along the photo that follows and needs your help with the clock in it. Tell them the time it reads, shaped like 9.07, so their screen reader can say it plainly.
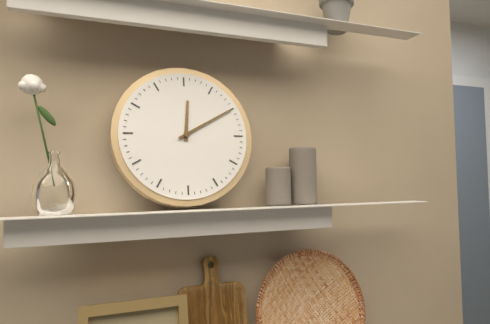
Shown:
12.10
